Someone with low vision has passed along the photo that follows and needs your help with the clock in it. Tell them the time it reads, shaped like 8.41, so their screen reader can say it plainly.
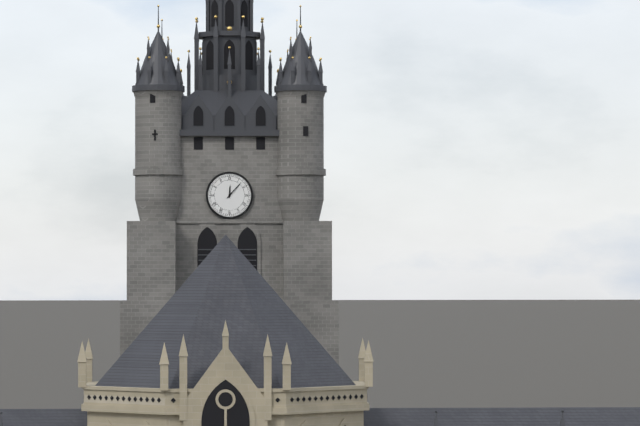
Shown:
12.07
